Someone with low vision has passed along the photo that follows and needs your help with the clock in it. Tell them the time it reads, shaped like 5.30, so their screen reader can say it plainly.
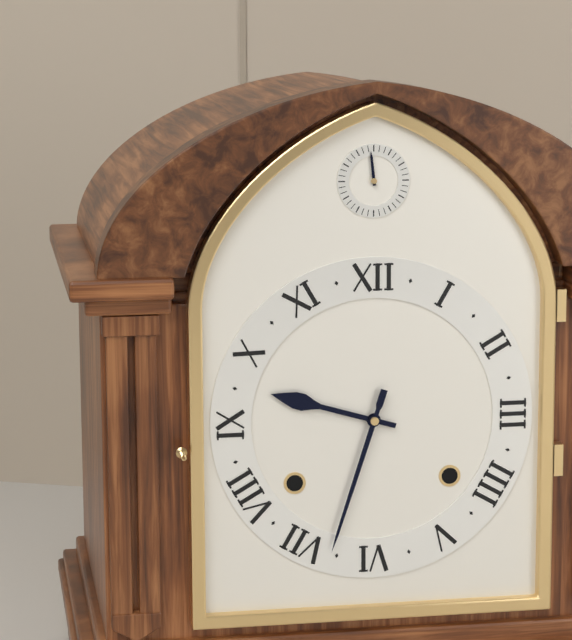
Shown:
9.33
